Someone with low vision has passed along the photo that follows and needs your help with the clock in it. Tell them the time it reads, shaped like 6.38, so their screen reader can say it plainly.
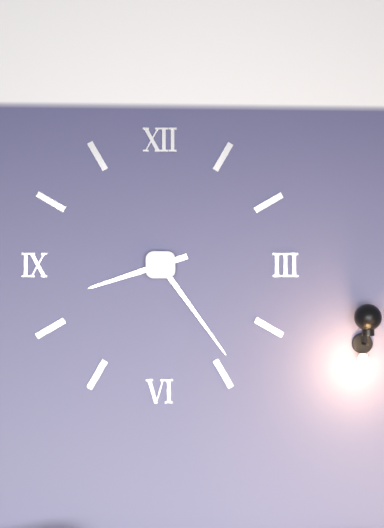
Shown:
8.24
